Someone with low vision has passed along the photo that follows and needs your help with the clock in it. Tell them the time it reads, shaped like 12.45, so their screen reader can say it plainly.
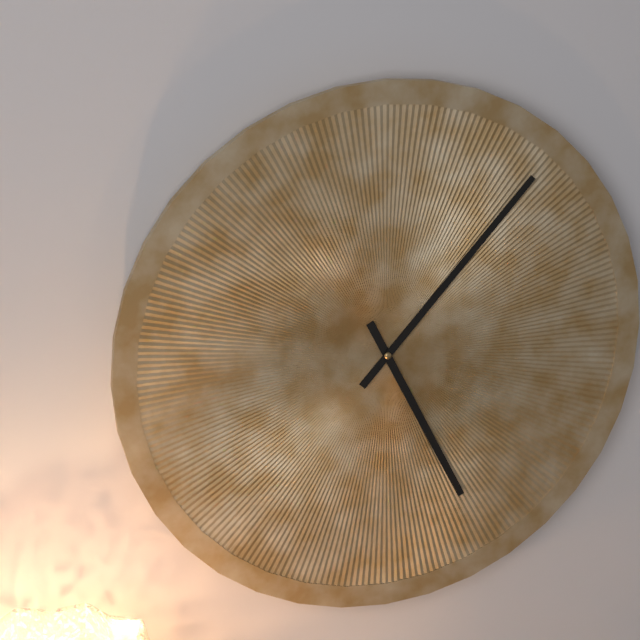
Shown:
5.07
